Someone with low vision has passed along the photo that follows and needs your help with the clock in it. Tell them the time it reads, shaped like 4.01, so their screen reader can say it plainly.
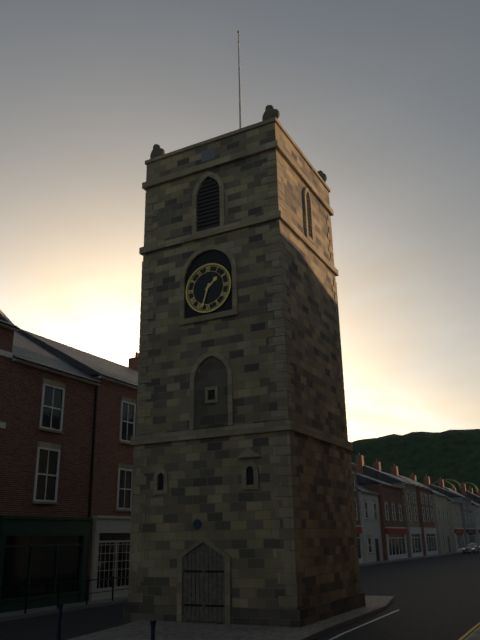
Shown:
1.33
